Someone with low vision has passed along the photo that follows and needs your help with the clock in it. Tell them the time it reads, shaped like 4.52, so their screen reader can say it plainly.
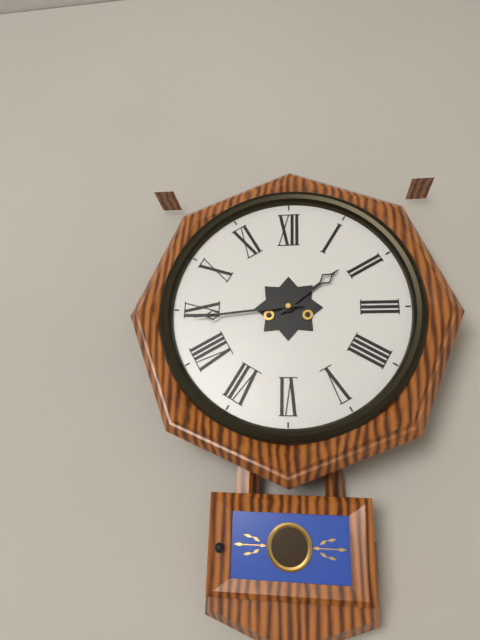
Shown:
1.44
